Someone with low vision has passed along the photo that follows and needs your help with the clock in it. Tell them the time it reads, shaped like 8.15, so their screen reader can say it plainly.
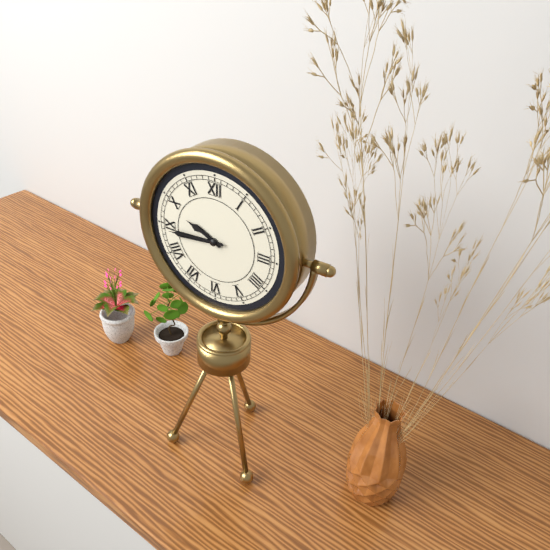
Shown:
9.44
